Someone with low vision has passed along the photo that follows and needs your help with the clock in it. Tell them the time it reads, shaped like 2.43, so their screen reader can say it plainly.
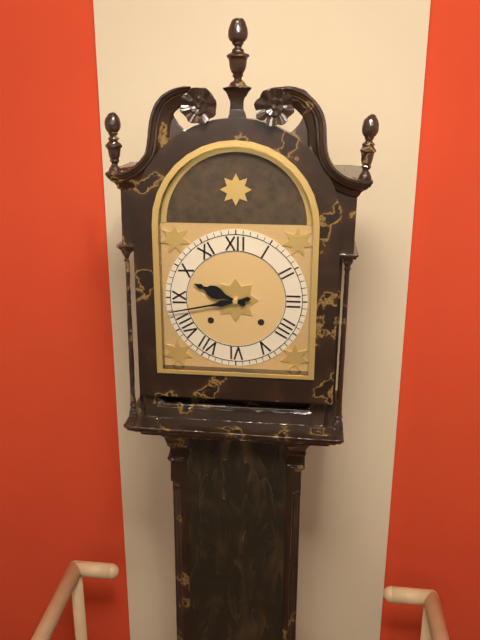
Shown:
9.43
